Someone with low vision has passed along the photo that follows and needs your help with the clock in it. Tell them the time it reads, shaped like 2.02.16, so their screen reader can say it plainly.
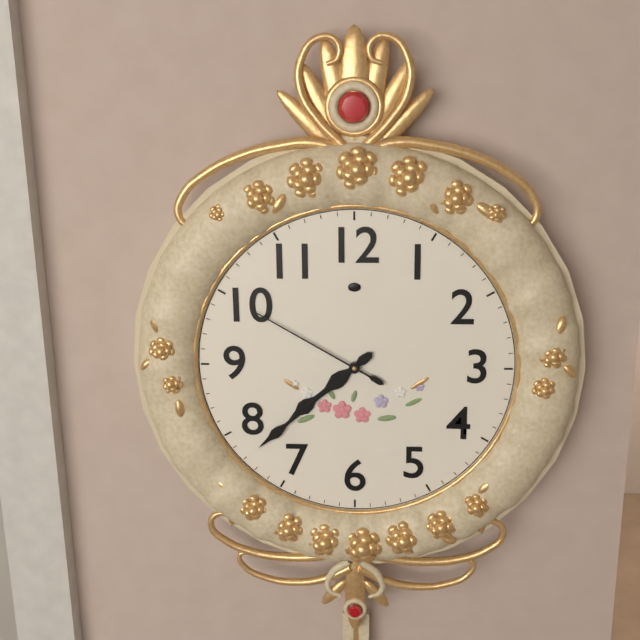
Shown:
7.38.50
